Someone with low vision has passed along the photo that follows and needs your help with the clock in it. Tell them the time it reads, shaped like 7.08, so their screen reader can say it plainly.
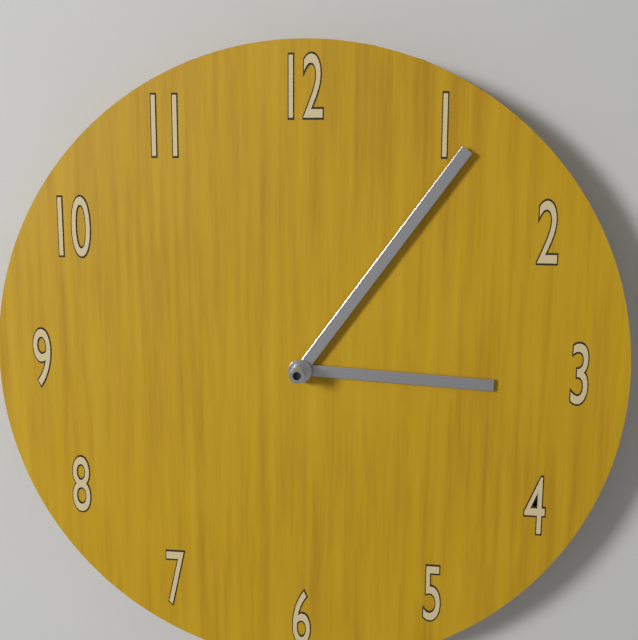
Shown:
3.06
